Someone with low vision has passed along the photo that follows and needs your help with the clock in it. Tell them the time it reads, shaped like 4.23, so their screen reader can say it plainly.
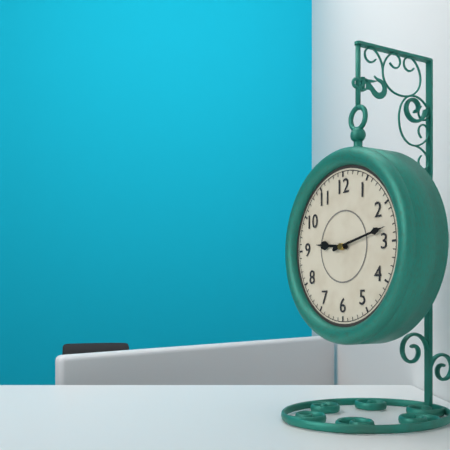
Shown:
9.13
